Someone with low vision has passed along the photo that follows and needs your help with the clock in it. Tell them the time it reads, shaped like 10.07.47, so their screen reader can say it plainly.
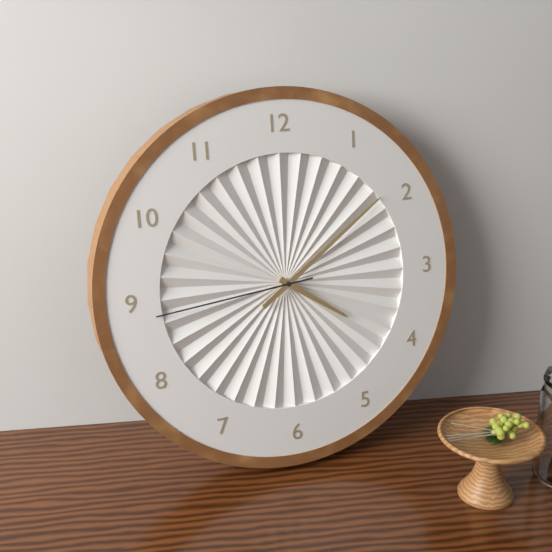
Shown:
4.09.44
